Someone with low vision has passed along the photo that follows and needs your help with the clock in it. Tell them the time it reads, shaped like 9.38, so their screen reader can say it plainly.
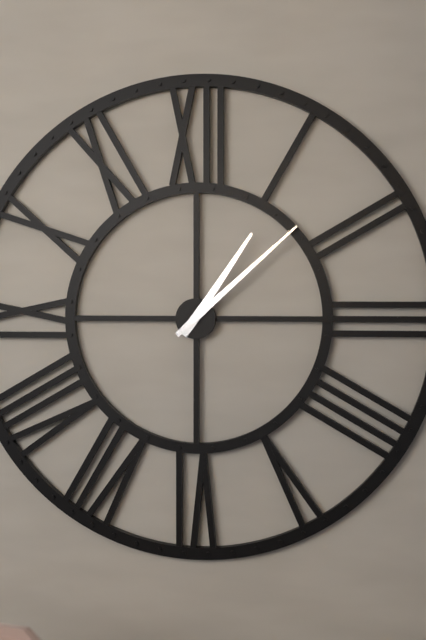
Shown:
1.08
